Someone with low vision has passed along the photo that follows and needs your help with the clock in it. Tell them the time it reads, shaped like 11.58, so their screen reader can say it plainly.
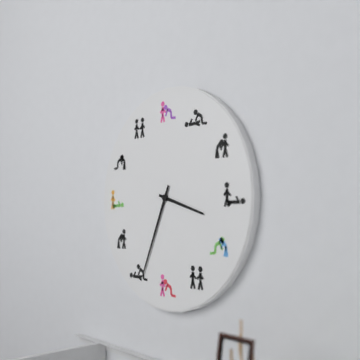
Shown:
3.34
